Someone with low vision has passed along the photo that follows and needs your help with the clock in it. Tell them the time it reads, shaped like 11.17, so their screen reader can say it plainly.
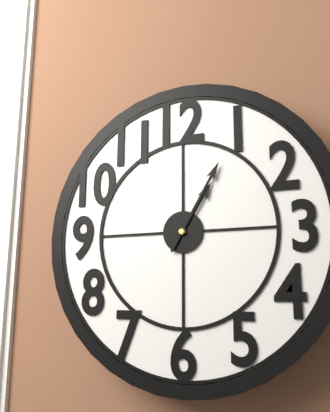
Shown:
1.05
